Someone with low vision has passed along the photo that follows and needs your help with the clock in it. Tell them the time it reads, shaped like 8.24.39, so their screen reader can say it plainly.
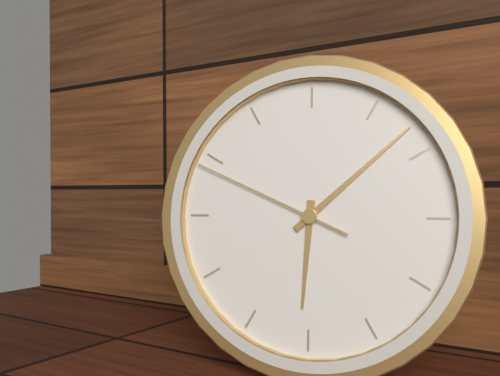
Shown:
6.08.49
